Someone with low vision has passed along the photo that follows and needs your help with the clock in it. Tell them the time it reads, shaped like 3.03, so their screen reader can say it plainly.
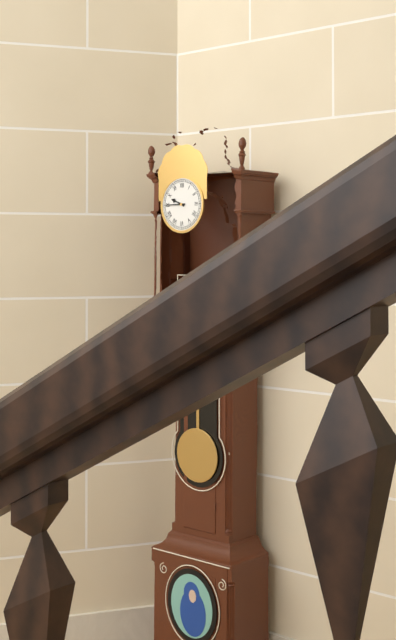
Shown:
9.45
